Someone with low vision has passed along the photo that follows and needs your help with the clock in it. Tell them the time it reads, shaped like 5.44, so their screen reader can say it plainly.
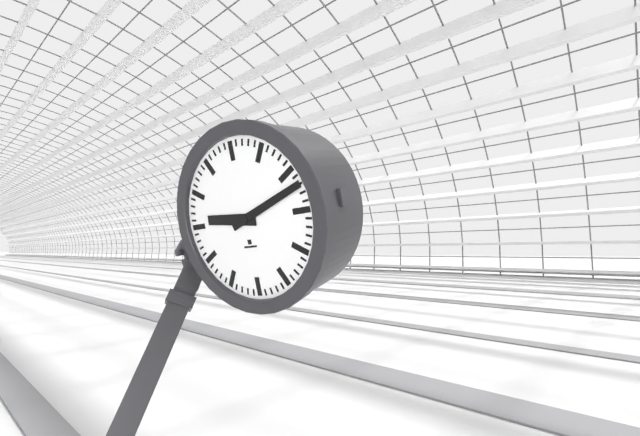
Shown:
9.12
